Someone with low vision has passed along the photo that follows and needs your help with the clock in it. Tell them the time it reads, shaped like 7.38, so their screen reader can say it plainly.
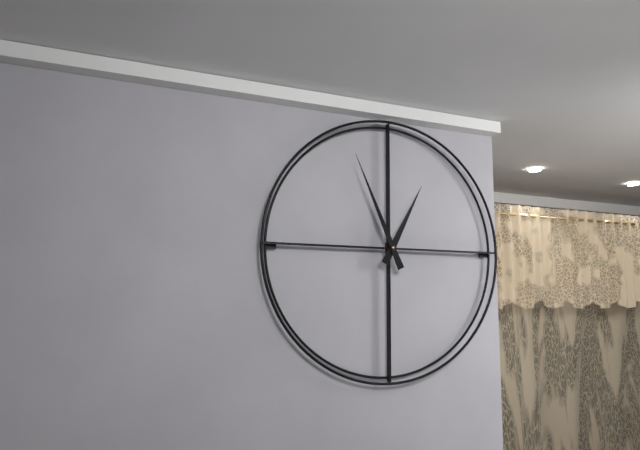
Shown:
12.56
